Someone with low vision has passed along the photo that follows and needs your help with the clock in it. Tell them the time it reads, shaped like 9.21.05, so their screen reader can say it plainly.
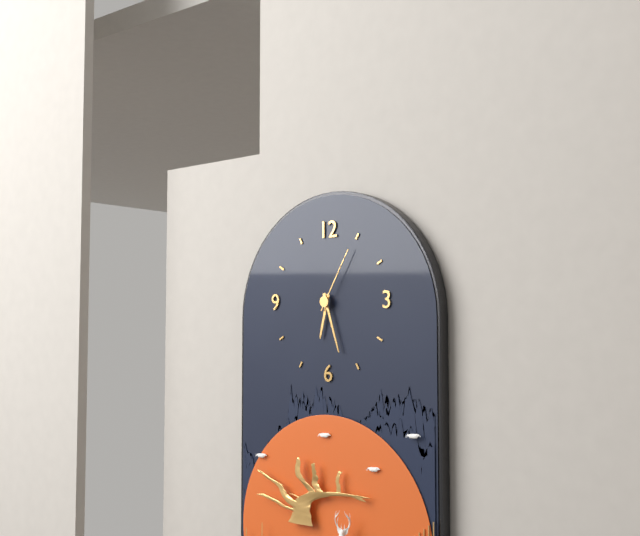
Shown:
6.27.05
